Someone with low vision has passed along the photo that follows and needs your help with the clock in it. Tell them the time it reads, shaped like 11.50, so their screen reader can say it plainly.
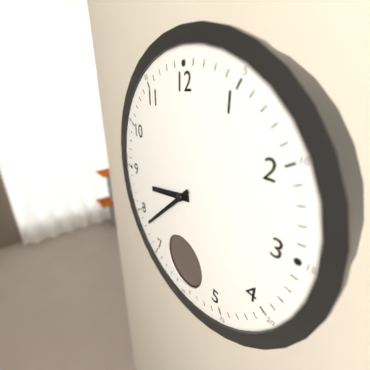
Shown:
8.38
